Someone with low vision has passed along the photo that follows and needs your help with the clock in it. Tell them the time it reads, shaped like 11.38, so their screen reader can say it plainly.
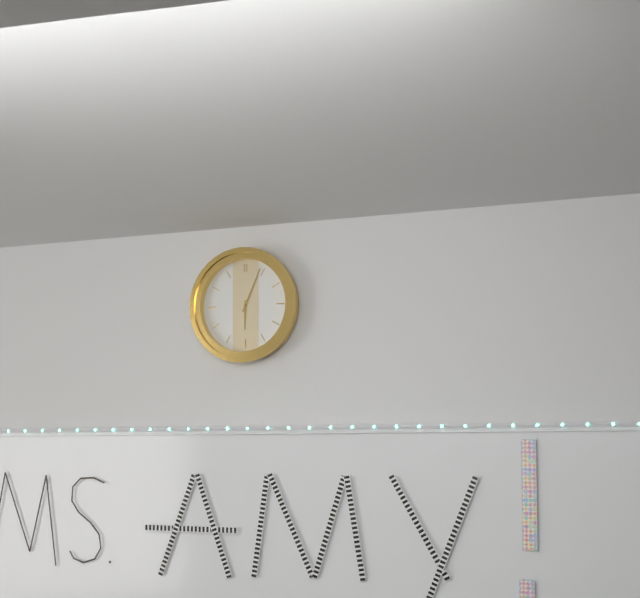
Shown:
6.04
